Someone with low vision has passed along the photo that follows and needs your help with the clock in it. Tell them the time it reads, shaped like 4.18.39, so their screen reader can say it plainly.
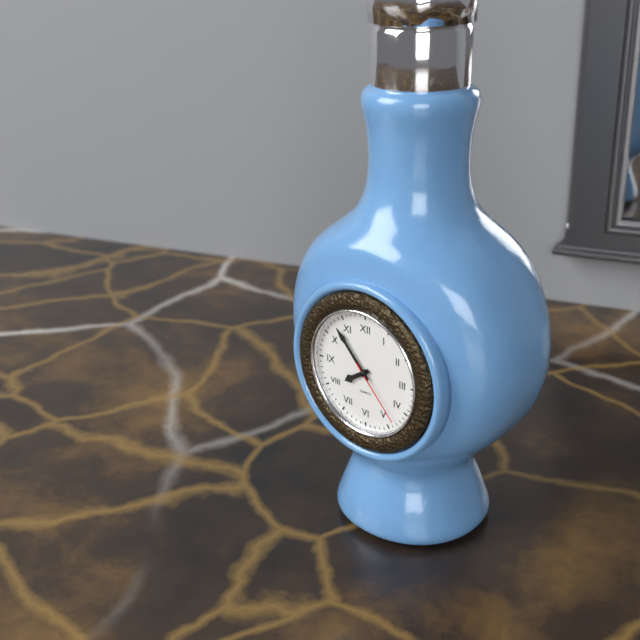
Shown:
7.53.23
